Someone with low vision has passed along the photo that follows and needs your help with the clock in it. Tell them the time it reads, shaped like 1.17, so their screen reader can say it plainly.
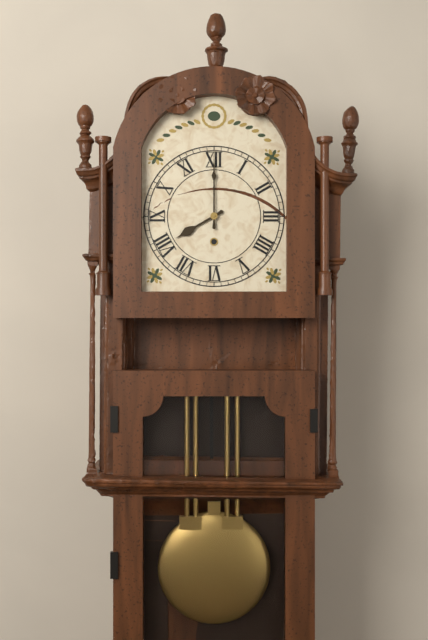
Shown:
8.00
